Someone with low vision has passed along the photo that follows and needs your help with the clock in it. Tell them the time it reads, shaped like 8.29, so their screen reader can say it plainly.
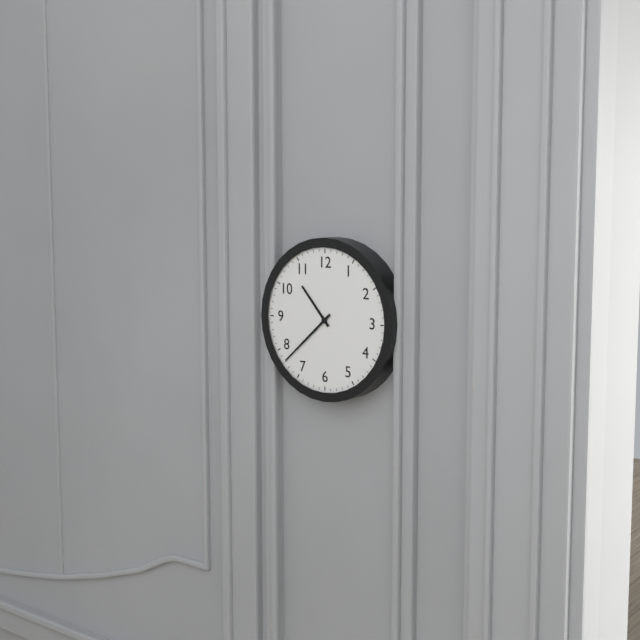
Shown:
10.38
